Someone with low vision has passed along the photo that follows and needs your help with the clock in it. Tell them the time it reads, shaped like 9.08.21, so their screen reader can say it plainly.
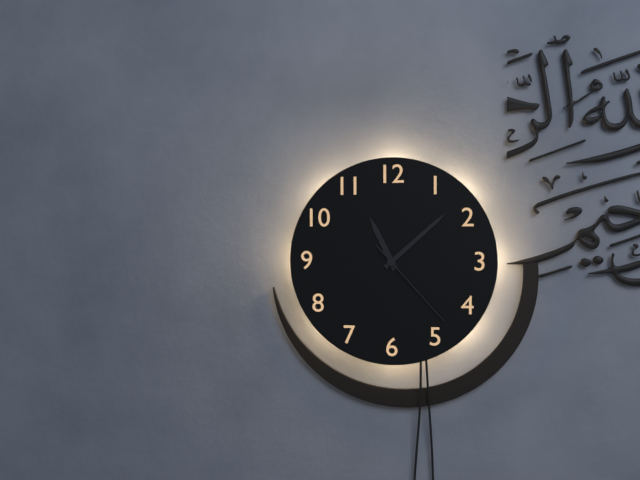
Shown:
11.08.23
